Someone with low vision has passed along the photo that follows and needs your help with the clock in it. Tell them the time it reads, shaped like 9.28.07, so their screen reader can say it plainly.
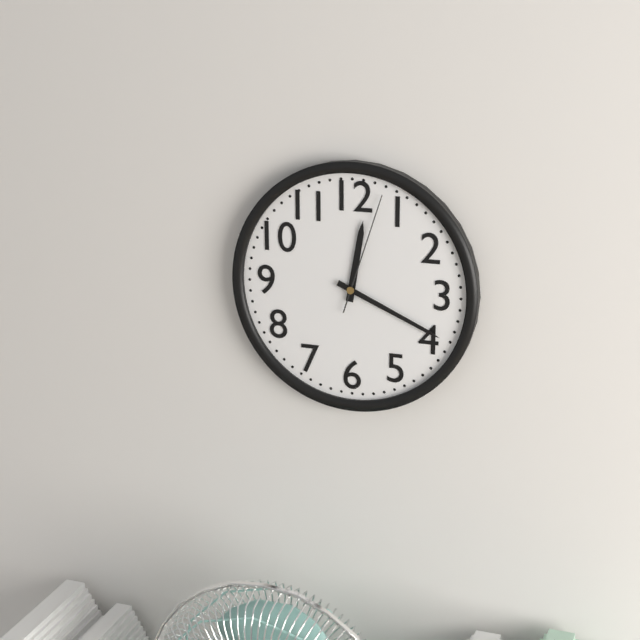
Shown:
12.19.03
